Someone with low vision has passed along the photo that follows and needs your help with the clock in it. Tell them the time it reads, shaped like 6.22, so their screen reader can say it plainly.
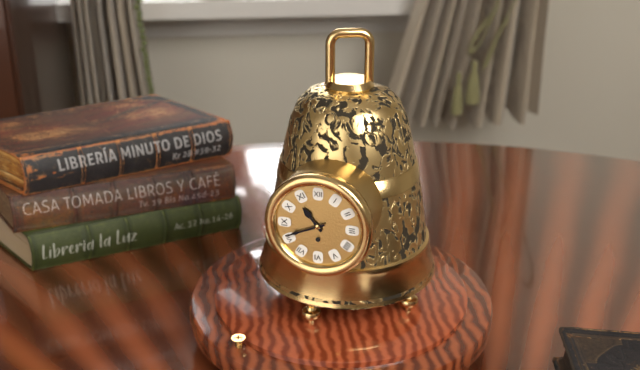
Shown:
10.41
